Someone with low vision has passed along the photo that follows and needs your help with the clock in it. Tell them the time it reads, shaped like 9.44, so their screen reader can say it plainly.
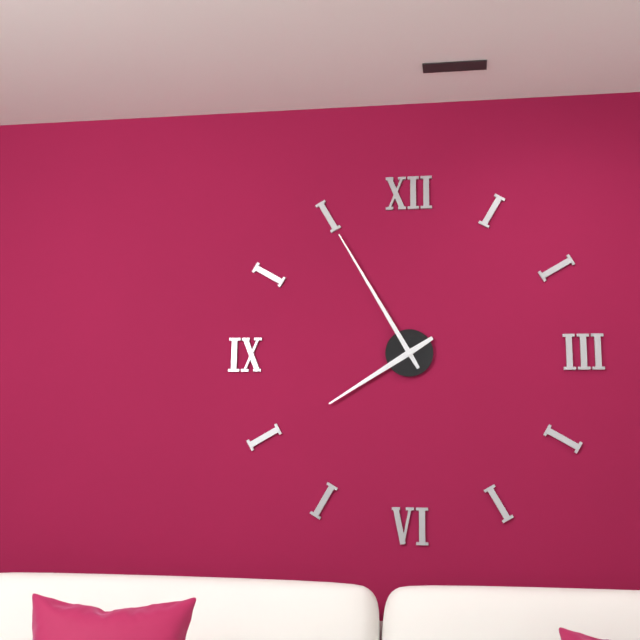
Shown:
7.55
